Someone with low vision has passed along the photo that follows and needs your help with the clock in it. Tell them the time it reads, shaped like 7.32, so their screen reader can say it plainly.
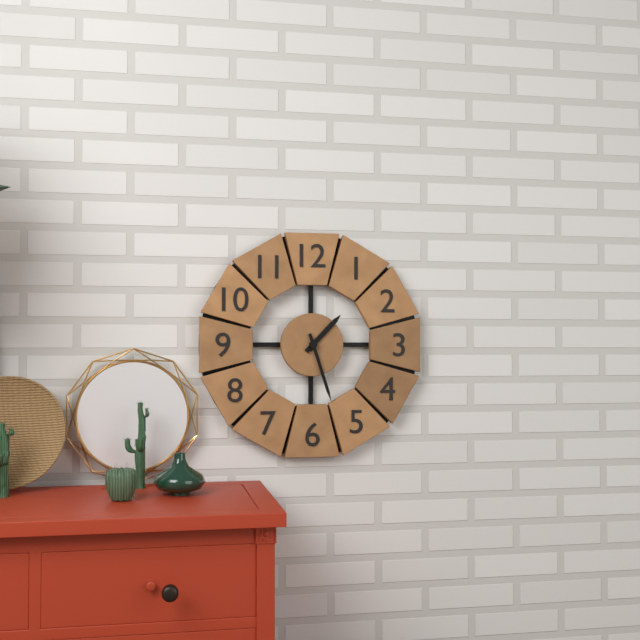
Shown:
1.27
